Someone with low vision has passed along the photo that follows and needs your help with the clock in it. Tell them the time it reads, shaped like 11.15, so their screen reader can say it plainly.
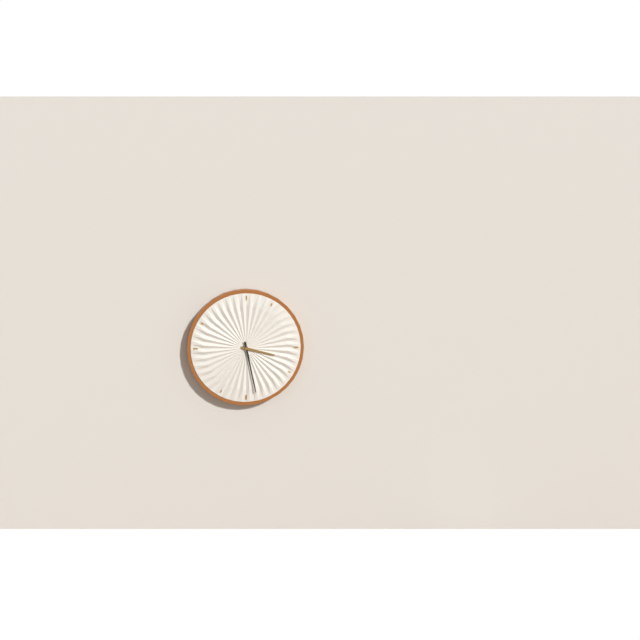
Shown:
3.28
